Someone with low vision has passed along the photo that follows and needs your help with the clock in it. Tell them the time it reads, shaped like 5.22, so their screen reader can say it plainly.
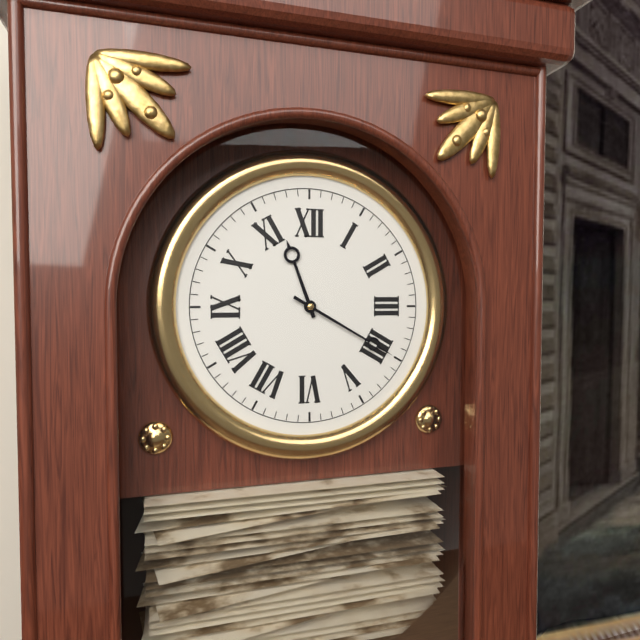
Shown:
11.20
